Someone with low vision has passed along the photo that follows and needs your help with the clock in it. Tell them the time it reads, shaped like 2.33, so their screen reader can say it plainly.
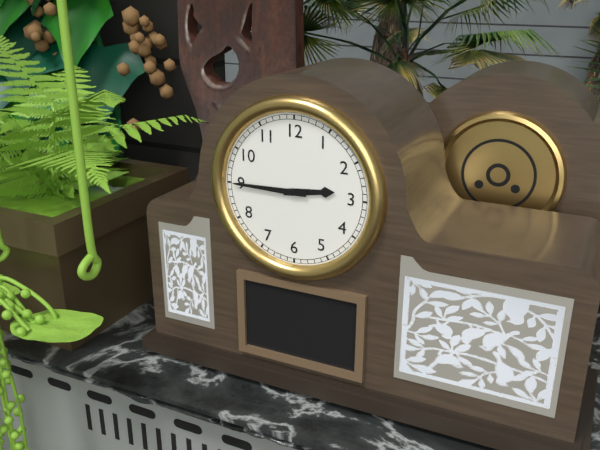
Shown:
2.45
